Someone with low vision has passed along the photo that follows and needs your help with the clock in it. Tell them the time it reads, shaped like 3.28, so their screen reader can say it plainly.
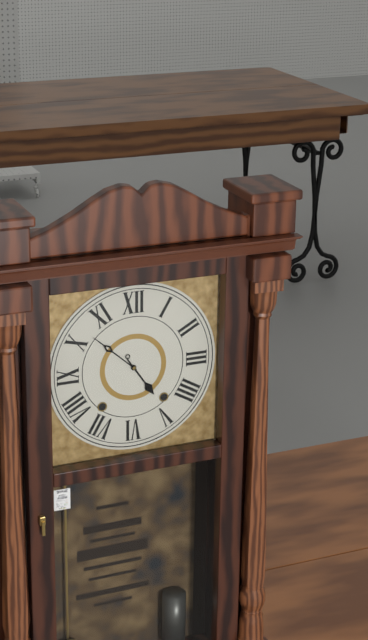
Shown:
4.52
